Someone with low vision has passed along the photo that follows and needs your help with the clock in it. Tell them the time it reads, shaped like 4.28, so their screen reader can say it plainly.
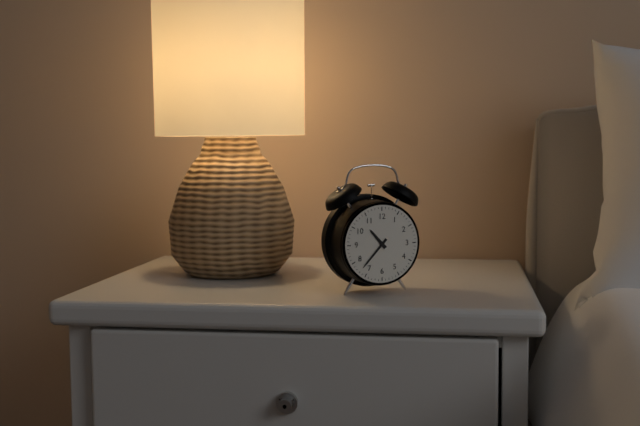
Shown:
10.37
